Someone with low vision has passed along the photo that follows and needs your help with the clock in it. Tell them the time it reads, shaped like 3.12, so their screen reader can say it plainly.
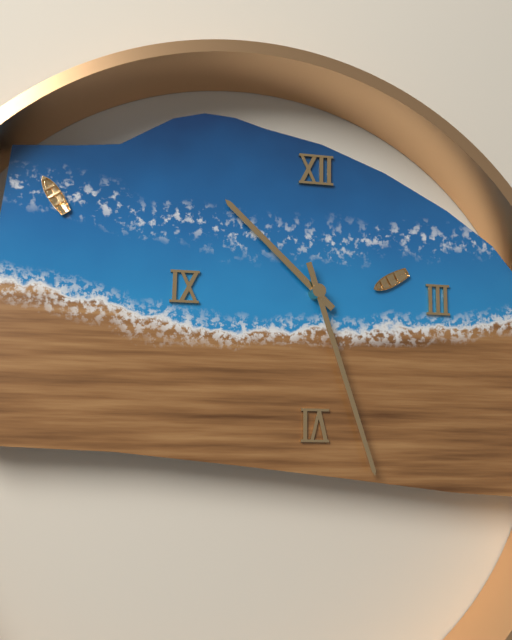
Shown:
10.27
